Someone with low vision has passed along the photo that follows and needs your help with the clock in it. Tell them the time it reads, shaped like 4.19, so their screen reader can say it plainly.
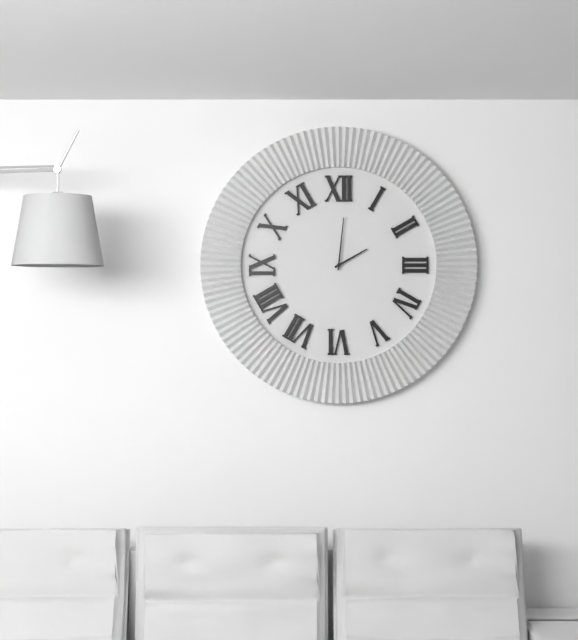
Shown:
2.01
